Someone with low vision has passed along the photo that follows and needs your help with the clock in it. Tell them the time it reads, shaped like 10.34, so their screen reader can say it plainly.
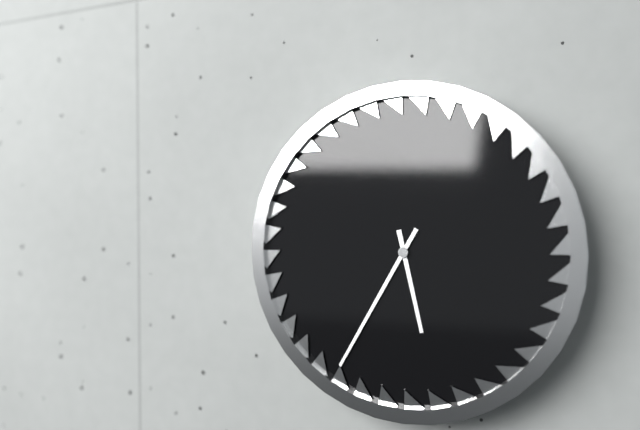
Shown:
5.35
